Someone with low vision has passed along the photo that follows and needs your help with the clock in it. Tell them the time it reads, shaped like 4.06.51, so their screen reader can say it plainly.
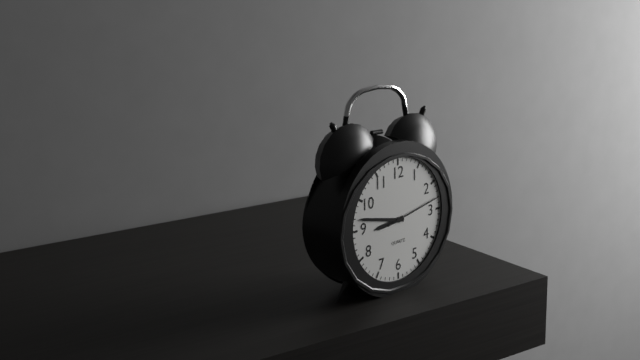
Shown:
8.47.13
